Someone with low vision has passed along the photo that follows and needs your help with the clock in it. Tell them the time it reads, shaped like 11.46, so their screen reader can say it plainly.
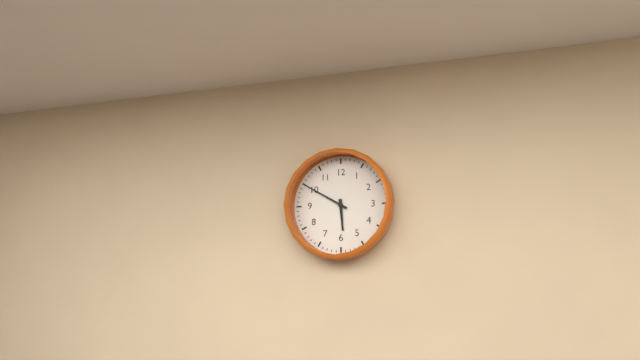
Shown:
5.50
